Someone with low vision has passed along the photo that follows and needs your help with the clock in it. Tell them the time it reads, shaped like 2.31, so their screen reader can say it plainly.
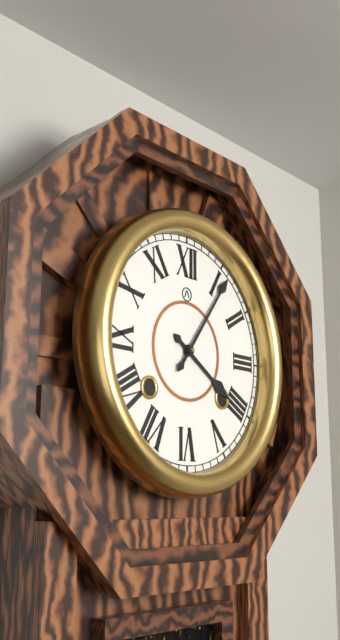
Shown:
4.06
